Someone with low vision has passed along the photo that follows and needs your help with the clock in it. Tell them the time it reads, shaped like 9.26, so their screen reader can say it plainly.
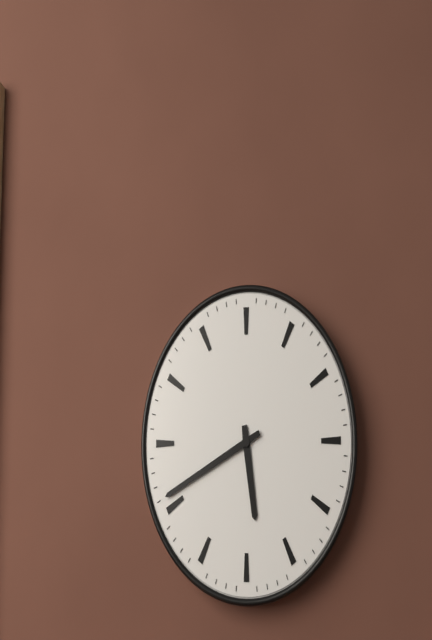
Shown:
5.41
